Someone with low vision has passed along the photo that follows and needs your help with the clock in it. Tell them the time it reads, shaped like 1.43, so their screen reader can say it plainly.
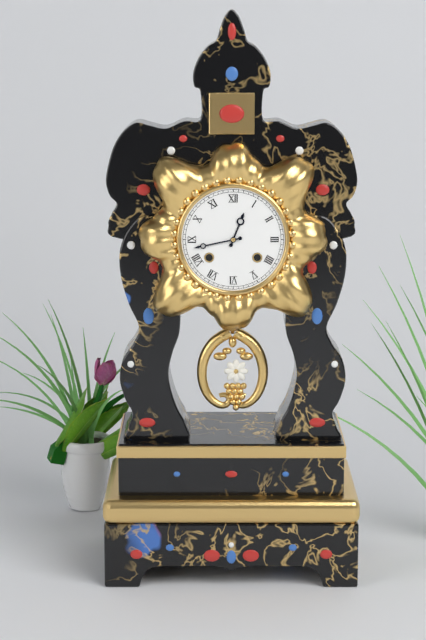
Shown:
12.43
